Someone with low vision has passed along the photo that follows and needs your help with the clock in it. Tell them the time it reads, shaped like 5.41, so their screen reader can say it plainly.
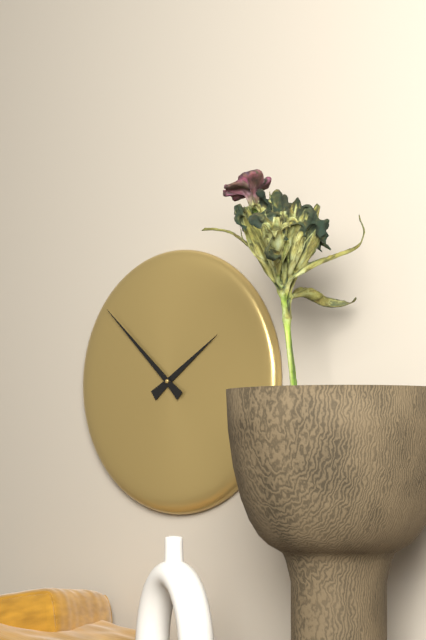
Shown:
1.52
